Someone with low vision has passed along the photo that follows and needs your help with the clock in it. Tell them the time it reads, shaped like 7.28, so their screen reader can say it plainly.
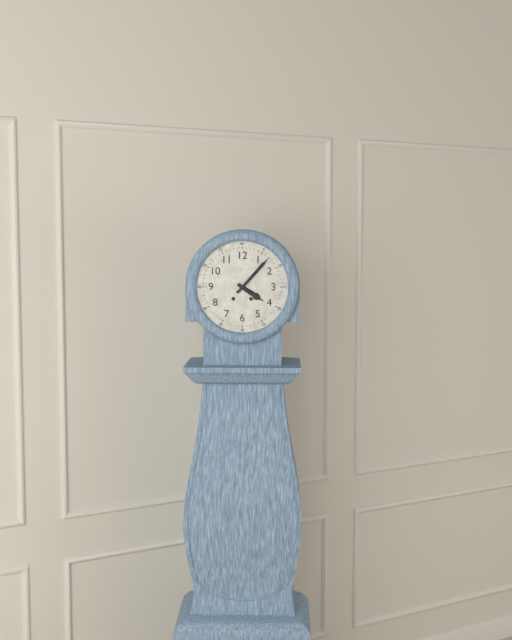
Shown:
4.07
